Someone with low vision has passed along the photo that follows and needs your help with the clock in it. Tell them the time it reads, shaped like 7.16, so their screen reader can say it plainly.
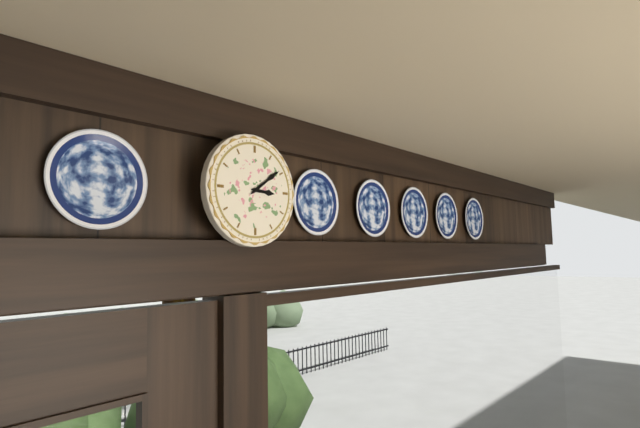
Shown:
3.09
